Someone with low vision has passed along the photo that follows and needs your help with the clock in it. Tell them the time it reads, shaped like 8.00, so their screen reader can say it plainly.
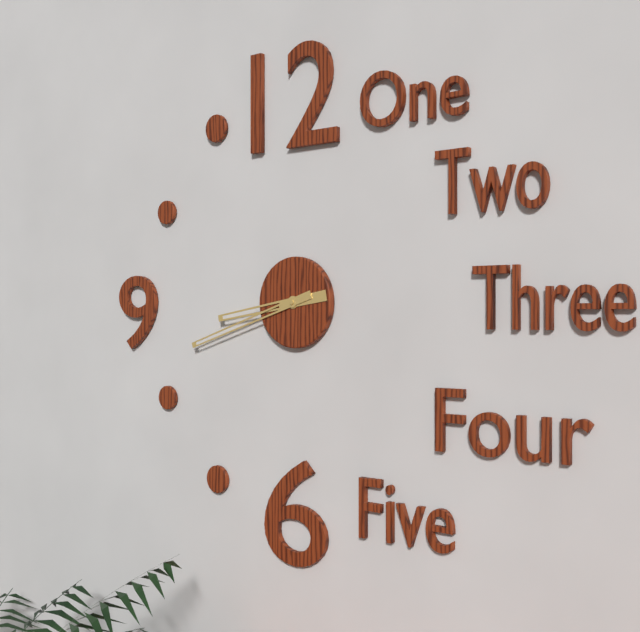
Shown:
8.42
